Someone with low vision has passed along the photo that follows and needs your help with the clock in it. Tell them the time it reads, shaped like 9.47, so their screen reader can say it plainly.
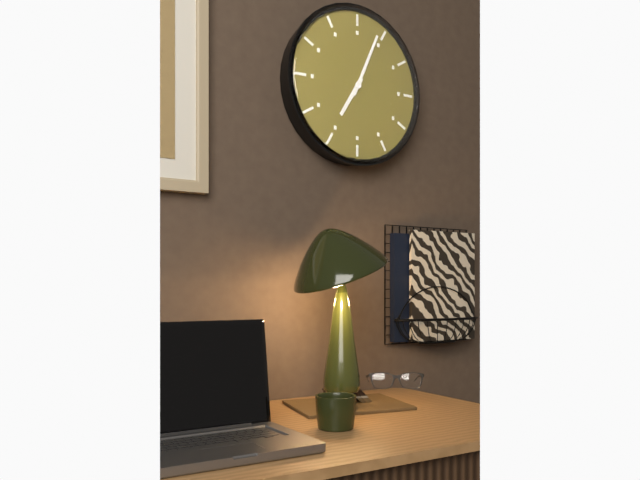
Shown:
7.04
